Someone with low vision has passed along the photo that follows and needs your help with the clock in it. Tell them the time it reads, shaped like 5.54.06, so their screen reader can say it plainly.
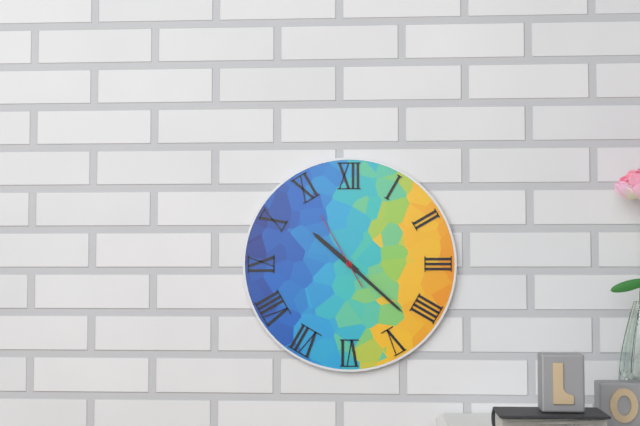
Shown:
10.22.55
